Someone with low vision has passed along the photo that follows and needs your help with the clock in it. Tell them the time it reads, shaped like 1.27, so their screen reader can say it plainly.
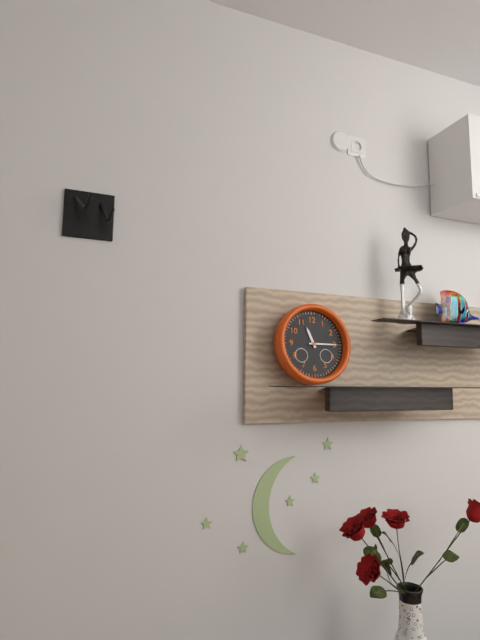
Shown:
11.15
